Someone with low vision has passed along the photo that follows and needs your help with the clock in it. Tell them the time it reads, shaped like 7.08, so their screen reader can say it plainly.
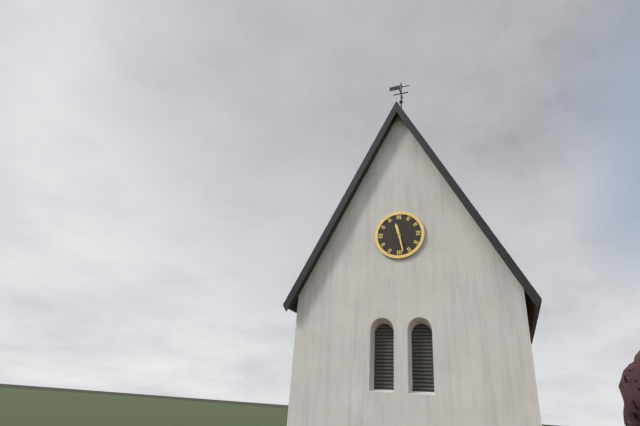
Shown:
11.28
